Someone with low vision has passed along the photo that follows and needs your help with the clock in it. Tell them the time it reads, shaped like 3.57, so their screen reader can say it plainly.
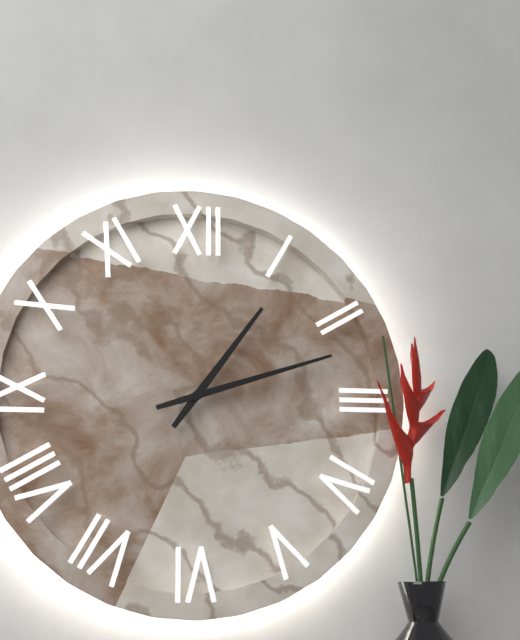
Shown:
1.12
